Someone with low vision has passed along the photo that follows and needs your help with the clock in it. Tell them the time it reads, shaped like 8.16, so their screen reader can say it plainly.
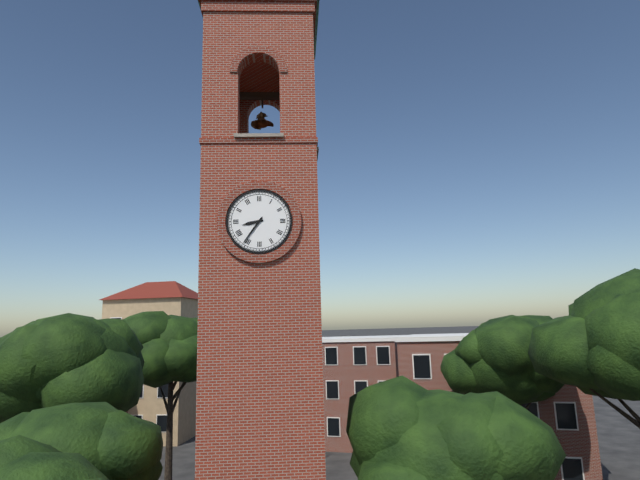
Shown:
8.36
